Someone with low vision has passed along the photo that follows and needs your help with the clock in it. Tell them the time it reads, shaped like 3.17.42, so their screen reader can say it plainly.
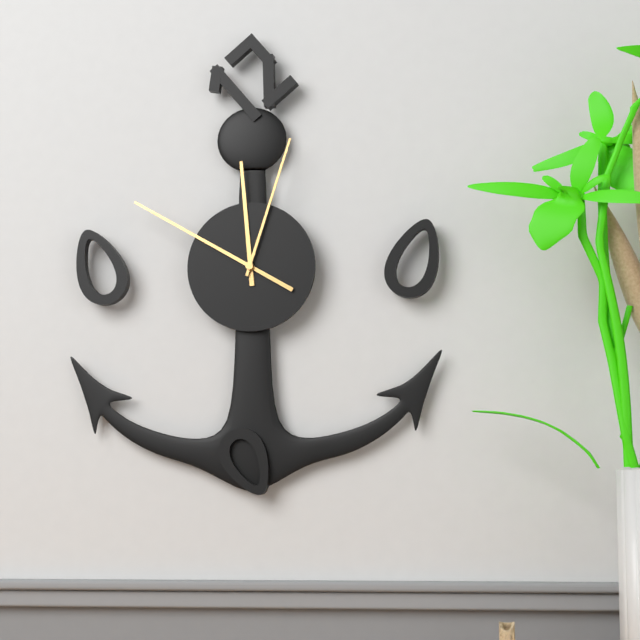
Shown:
11.50.03
